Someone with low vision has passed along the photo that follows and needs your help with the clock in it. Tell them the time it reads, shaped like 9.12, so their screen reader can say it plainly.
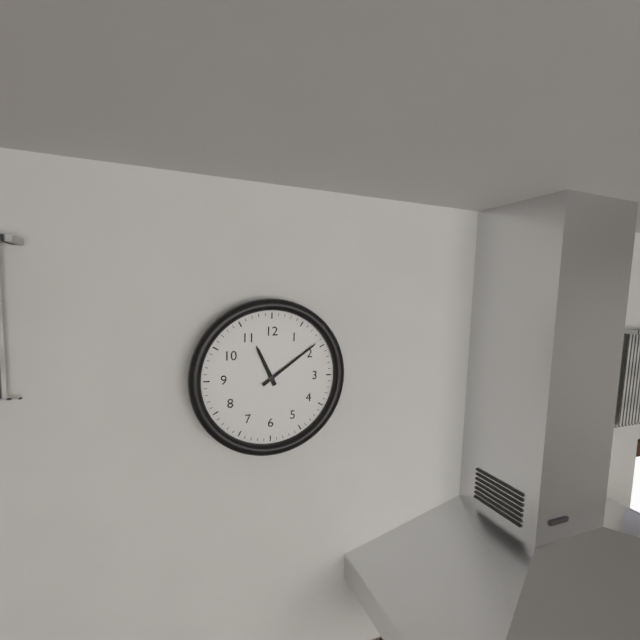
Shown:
11.09
